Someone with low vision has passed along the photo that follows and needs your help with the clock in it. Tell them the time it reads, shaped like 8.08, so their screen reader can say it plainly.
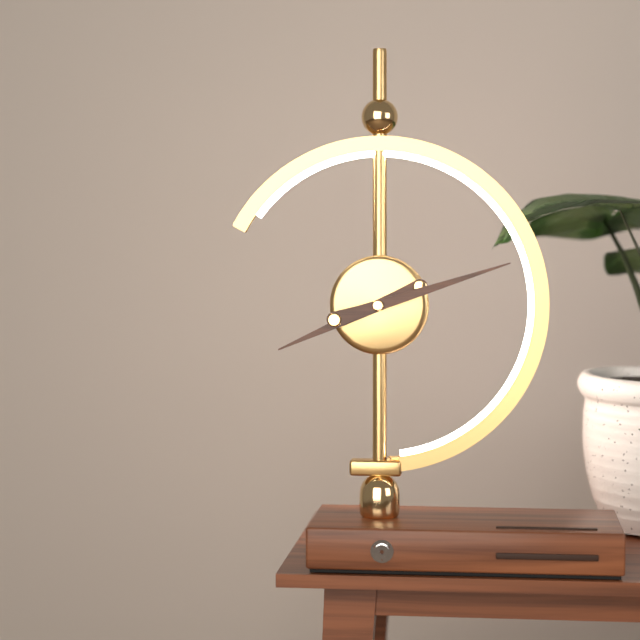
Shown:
8.12
